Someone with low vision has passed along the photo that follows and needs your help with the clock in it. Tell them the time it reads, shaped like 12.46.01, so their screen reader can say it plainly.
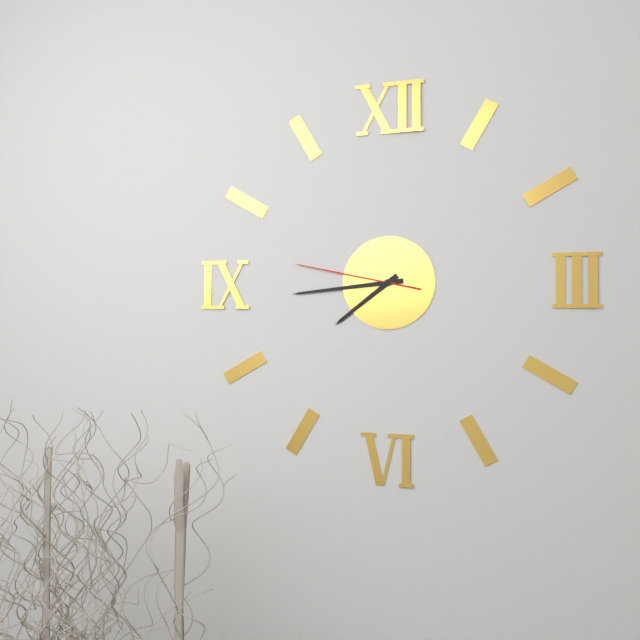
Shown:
7.44.47
